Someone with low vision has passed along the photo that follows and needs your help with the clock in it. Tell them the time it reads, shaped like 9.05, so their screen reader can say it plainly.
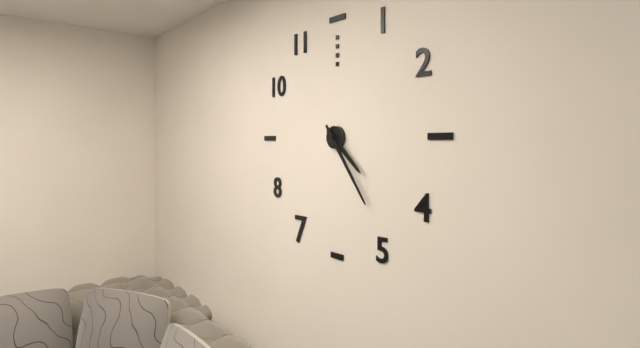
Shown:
4.24
